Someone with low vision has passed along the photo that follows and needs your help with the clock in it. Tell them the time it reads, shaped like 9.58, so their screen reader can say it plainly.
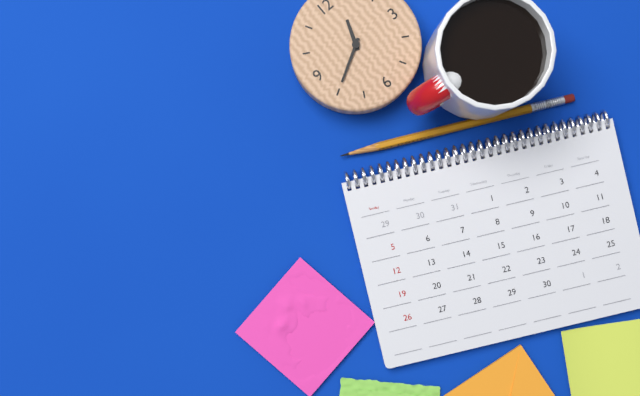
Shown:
12.40
